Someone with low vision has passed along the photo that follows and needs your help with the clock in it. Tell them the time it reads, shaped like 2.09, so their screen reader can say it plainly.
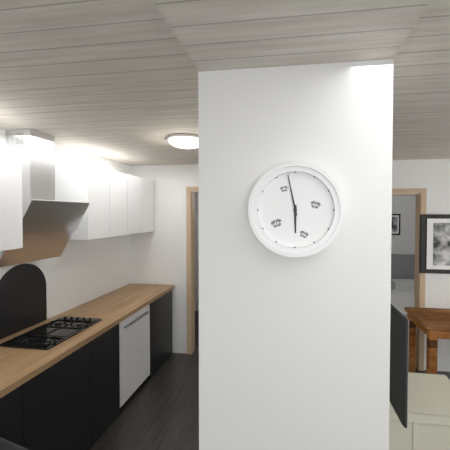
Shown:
5.58
